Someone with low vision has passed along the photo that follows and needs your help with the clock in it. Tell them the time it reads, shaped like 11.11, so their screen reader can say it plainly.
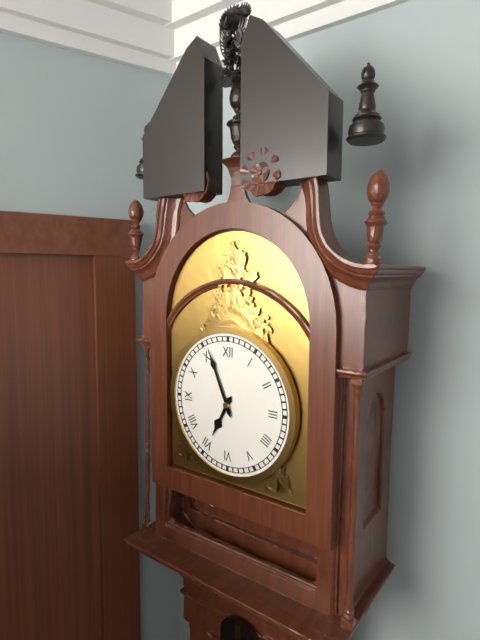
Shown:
6.56
